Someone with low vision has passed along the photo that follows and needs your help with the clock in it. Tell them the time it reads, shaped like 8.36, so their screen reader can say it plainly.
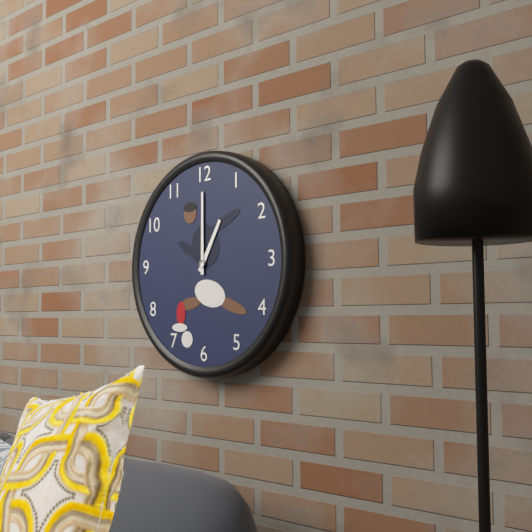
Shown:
1.00
